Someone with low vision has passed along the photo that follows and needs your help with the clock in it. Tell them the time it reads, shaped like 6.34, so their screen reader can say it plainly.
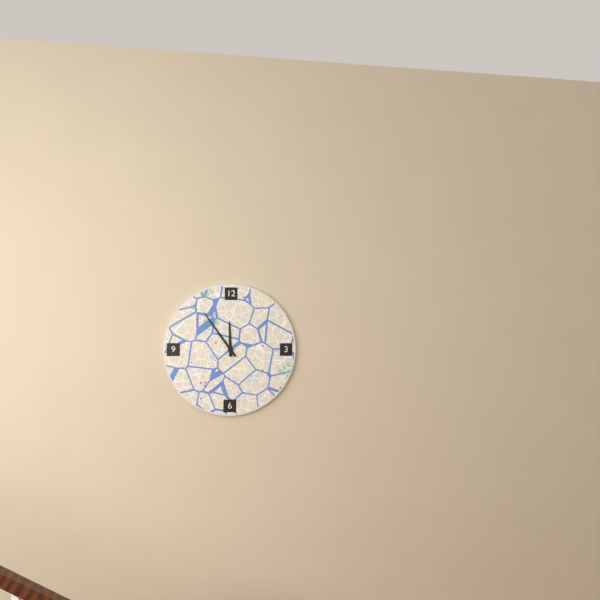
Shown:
11.54
